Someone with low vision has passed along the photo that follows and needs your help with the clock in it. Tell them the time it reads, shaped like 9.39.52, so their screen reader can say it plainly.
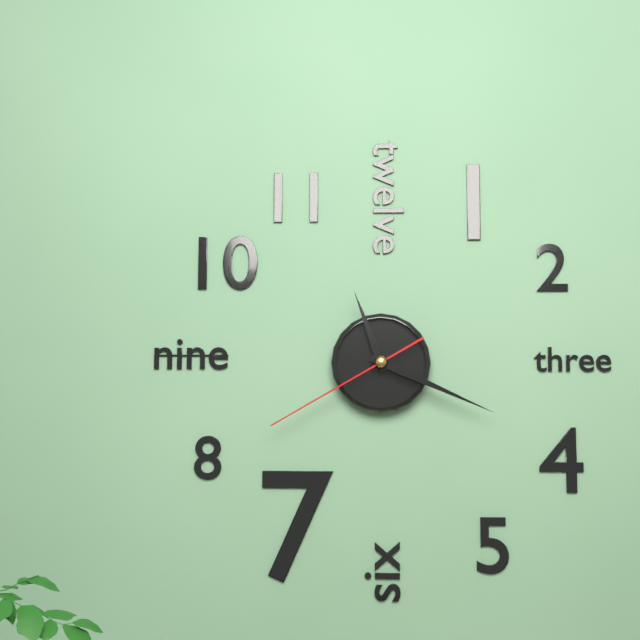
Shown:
11.19.40
